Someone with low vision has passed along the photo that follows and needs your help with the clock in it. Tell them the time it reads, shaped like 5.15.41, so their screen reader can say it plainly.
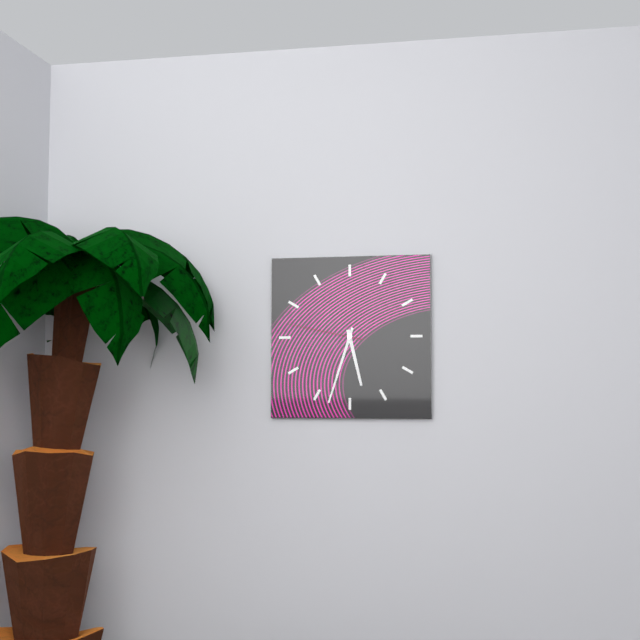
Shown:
5.33.47
